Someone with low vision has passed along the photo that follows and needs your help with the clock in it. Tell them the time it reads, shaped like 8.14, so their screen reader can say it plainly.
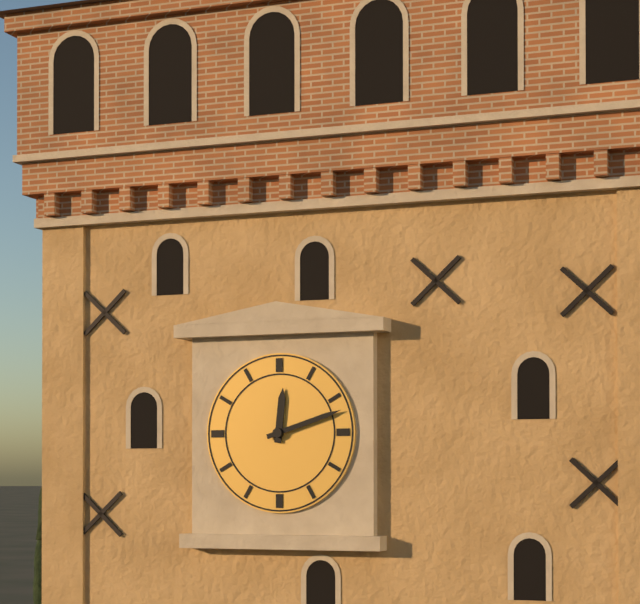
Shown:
12.12
